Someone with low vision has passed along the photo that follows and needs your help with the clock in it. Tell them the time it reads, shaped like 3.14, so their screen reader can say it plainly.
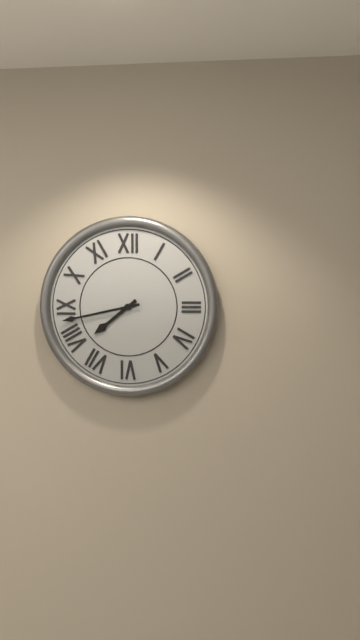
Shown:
7.43
